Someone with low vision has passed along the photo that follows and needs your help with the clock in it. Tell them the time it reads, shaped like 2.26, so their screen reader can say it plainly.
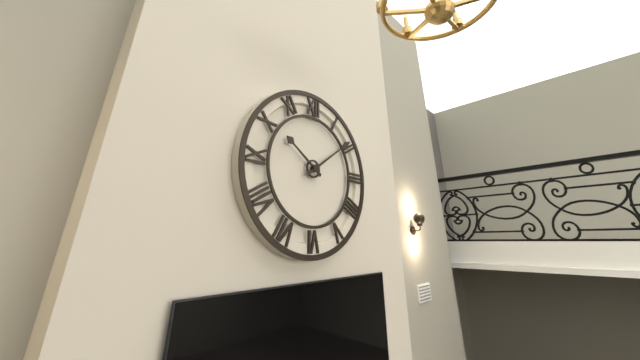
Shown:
10.09
